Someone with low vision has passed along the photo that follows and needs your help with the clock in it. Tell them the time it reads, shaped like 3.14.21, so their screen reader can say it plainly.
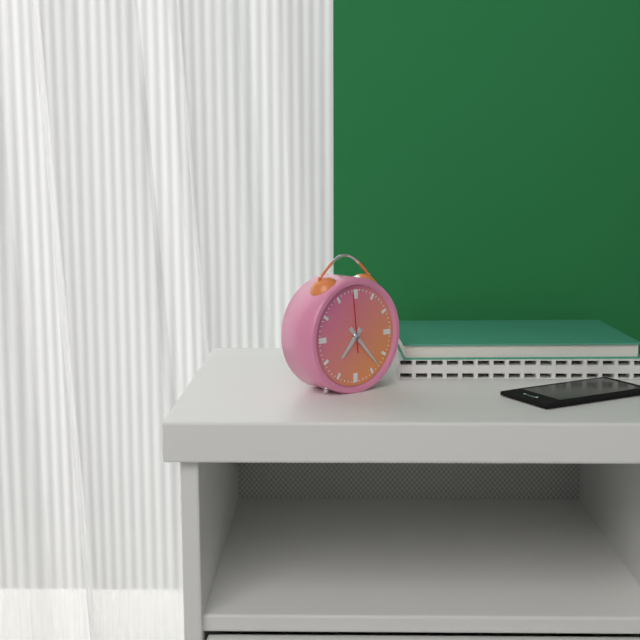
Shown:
7.23.59
